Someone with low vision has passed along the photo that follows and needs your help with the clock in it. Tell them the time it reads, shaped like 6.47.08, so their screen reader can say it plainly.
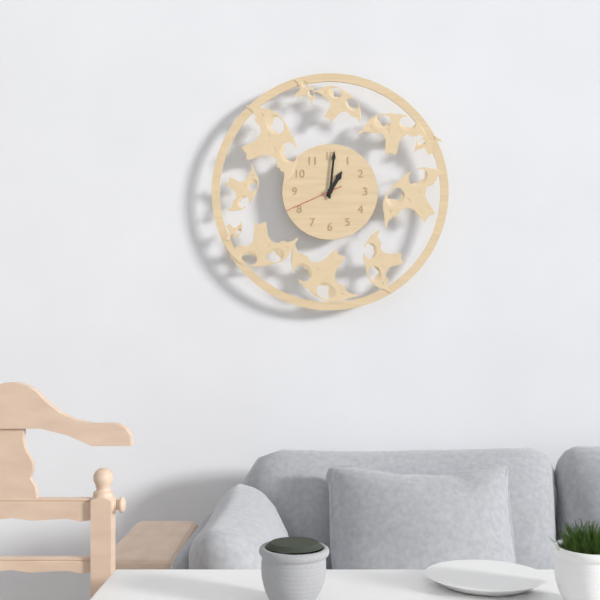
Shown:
1.01.41
